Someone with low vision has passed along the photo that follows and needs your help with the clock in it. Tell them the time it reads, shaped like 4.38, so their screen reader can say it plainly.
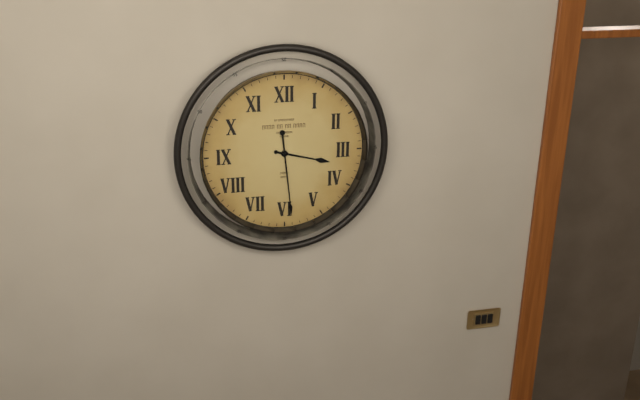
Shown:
3.29
